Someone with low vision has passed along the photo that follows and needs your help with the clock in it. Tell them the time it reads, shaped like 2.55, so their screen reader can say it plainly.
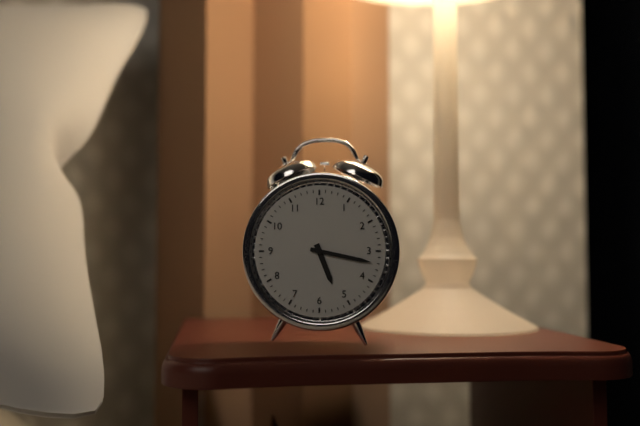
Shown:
5.17
